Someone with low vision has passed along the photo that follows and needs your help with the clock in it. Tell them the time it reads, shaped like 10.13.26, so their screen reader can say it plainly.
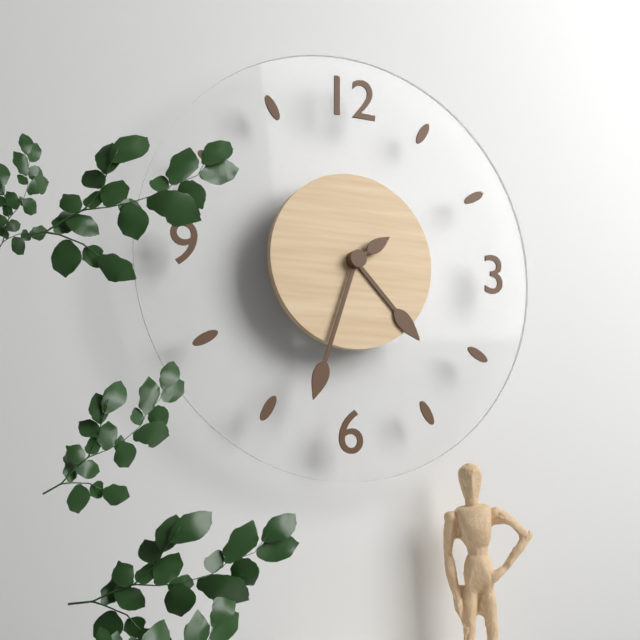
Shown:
4.33.09
